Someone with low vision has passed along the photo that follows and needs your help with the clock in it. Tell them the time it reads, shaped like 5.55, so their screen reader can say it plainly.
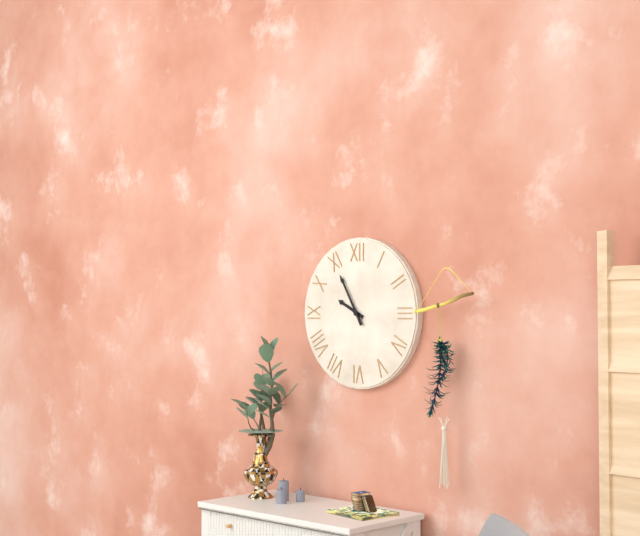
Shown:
9.55
